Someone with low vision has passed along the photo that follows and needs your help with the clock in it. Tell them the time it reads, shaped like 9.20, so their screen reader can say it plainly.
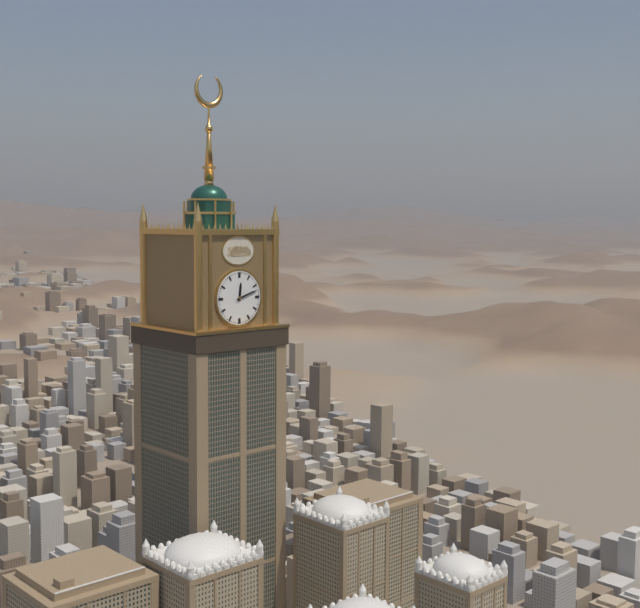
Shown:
12.12
